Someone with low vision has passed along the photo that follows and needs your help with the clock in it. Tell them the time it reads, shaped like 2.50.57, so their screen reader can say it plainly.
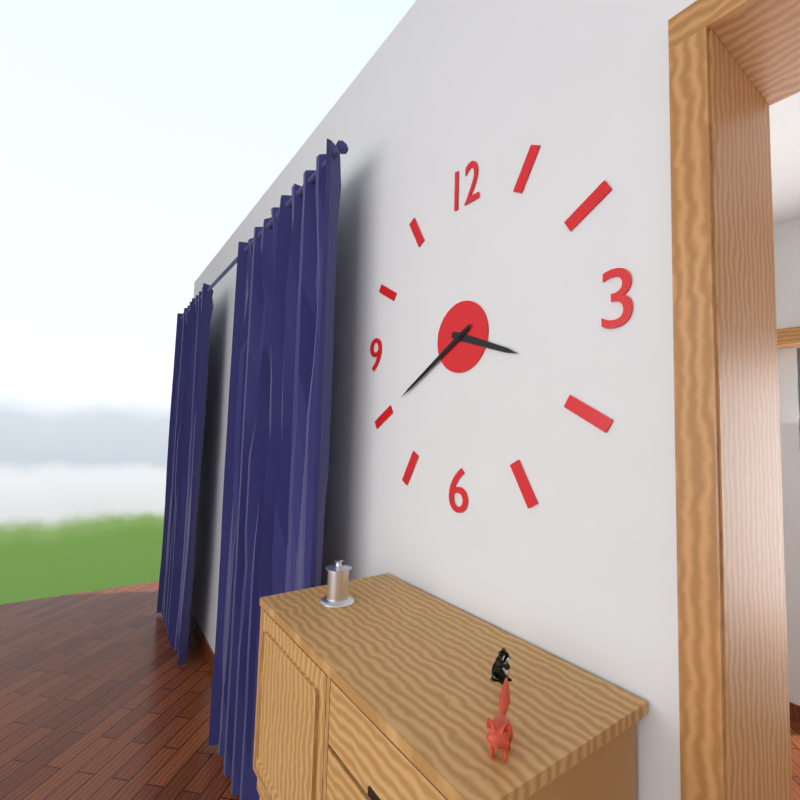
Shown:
3.40.40
